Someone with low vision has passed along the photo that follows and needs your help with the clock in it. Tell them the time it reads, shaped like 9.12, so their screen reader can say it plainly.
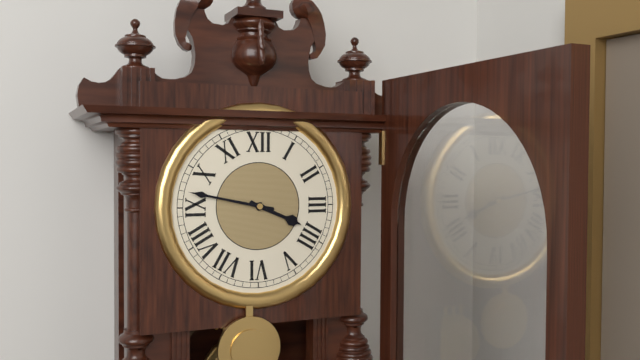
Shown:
3.47
